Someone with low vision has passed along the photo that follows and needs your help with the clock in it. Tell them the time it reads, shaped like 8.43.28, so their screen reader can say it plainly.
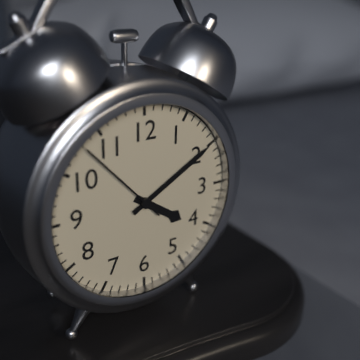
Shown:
4.10.53
